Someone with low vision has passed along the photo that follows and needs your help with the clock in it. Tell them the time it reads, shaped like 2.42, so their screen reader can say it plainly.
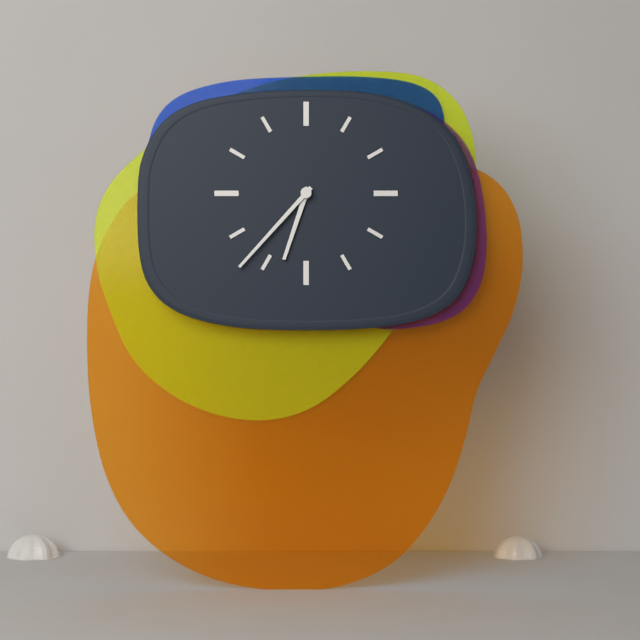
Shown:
6.37
